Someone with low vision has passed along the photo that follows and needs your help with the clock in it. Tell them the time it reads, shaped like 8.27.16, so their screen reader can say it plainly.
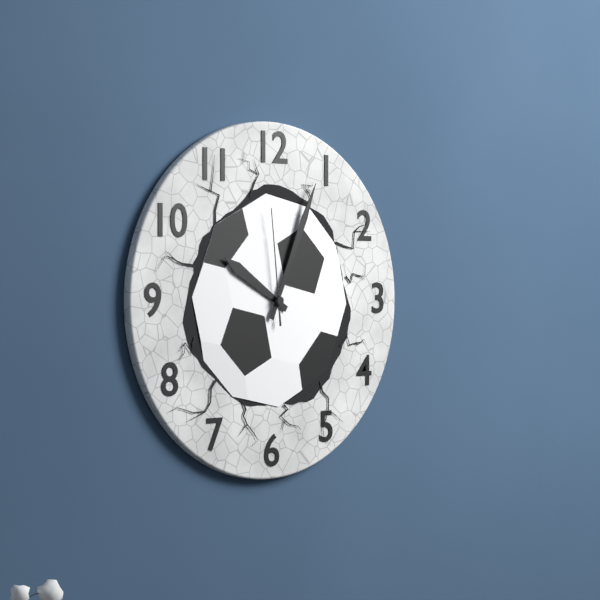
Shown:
10.04.59
